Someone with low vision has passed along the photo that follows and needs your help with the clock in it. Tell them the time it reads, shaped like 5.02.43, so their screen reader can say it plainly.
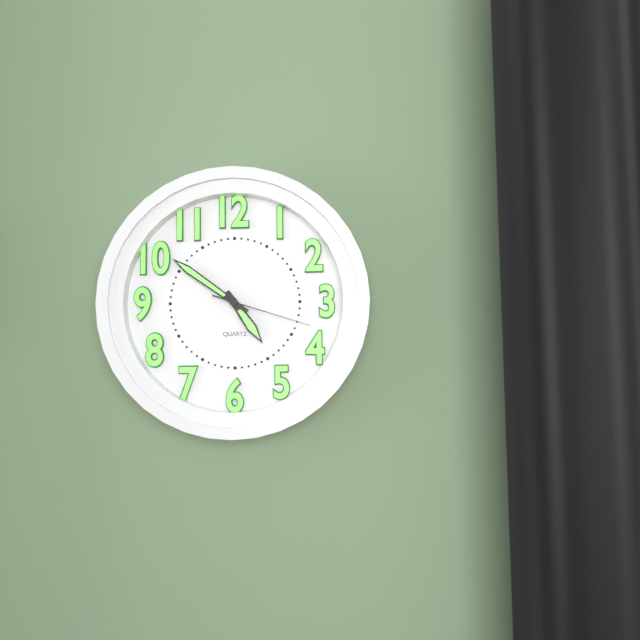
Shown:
4.51.18
